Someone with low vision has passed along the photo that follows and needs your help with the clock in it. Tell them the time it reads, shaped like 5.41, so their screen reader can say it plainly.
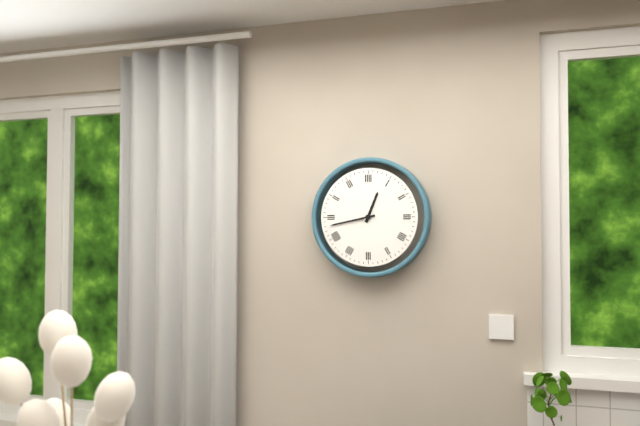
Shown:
12.43
